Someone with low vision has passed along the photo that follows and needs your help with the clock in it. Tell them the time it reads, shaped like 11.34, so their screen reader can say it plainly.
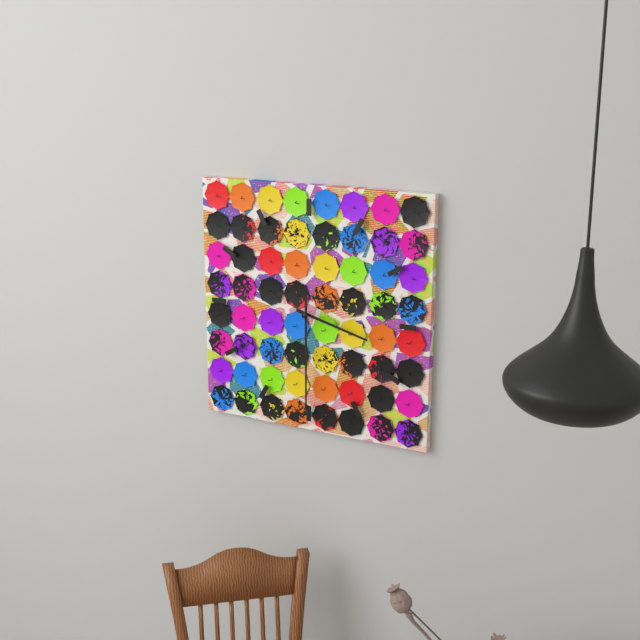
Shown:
3.30
